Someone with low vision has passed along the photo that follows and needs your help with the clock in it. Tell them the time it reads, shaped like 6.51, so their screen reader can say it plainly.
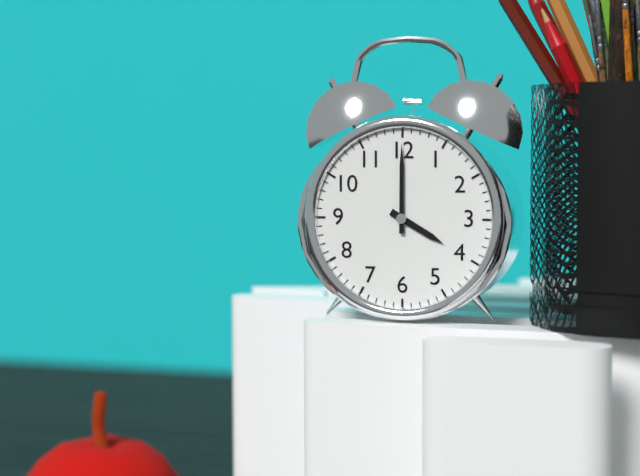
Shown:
4.00
